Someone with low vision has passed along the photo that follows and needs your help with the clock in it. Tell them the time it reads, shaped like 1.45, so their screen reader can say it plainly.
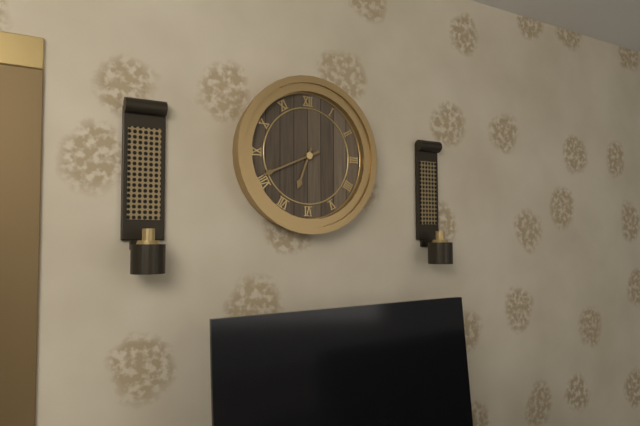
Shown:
6.41
